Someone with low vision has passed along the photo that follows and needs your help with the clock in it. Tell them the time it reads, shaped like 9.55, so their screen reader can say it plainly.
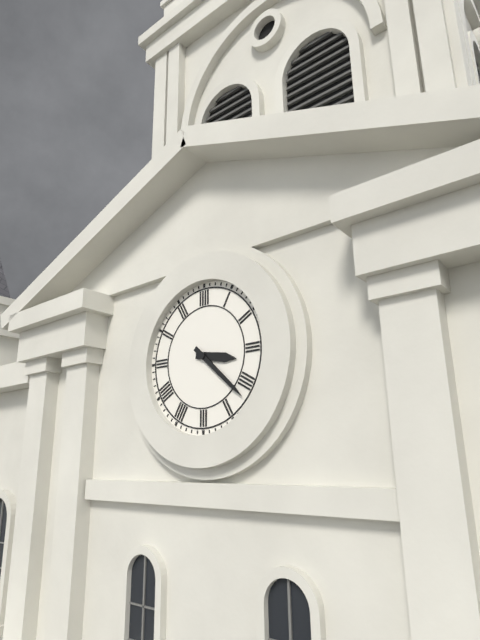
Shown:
3.22
